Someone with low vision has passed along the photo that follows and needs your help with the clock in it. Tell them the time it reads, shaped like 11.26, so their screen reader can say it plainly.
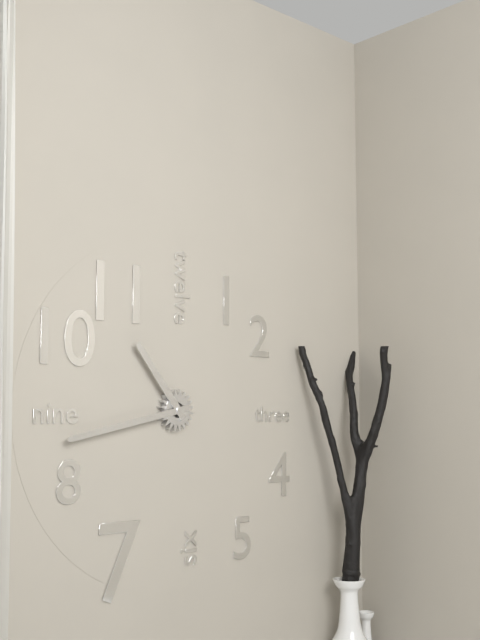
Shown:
10.43
